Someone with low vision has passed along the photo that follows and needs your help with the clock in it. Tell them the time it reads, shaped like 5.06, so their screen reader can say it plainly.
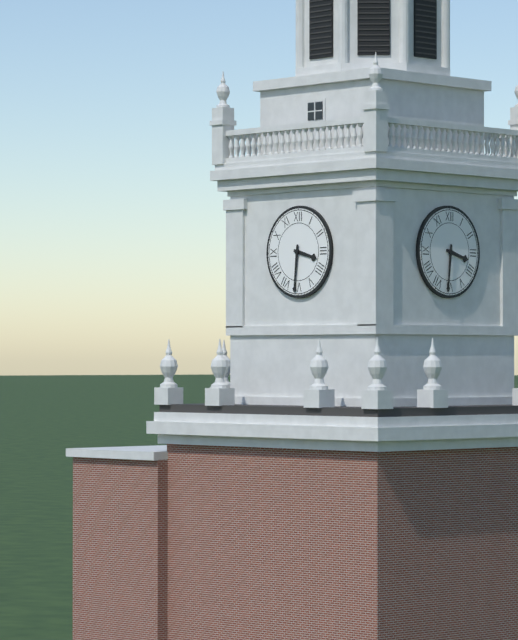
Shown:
3.31
